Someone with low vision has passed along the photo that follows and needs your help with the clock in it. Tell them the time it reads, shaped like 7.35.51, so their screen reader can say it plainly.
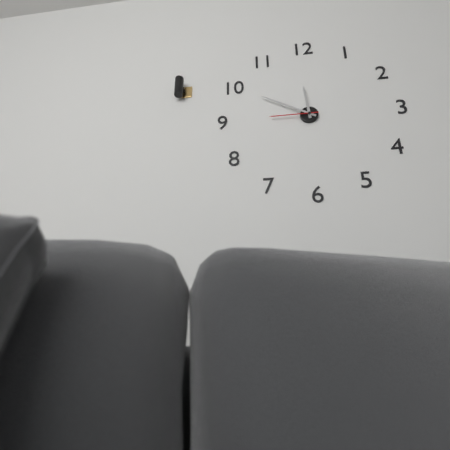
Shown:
11.50.45
